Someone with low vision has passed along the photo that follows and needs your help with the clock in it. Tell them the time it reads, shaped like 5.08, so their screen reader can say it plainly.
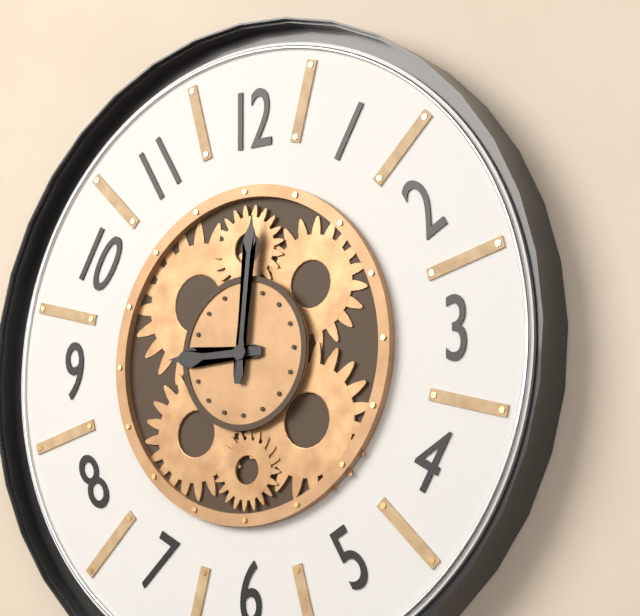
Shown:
9.01
